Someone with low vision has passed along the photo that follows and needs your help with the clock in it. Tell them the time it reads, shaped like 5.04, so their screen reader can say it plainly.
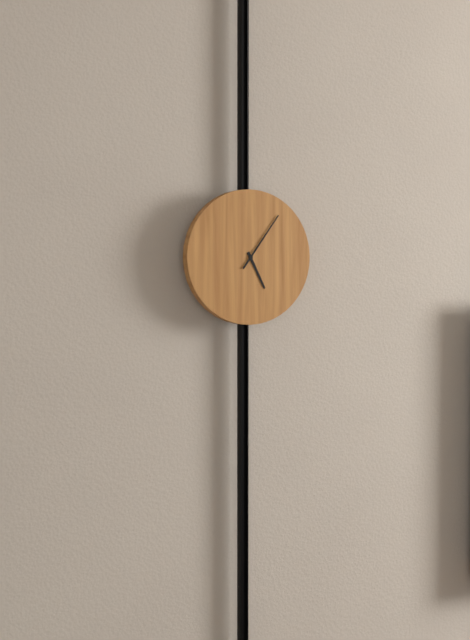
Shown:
5.06
